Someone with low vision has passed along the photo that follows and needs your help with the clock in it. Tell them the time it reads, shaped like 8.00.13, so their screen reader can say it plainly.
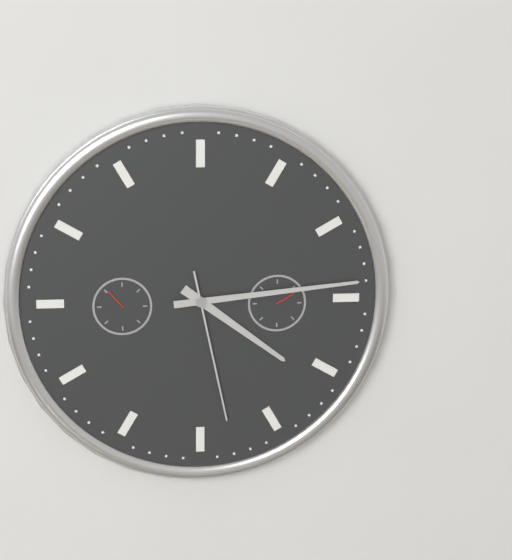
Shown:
4.14.28
